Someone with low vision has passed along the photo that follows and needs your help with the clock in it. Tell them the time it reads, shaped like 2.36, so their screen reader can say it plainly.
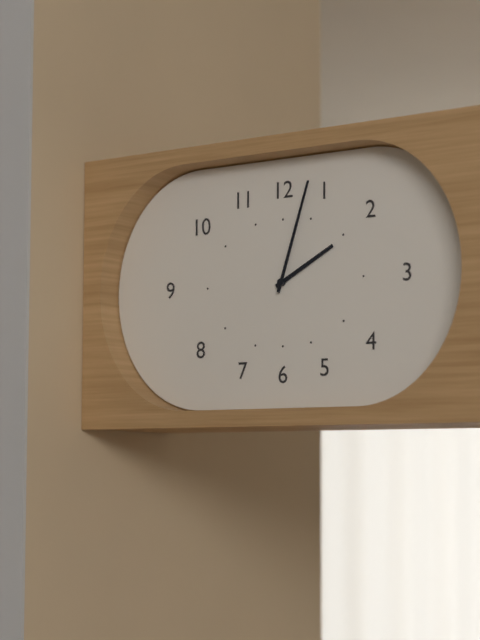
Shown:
2.03
